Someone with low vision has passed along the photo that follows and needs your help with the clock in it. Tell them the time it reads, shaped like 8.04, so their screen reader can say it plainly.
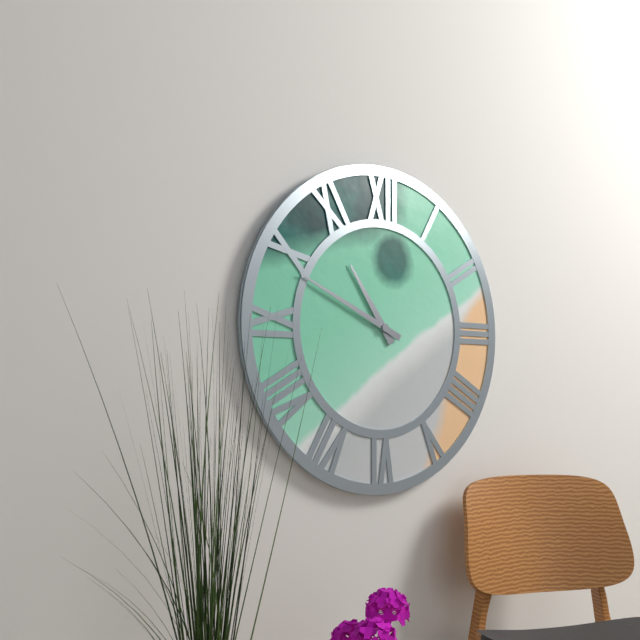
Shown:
10.49
